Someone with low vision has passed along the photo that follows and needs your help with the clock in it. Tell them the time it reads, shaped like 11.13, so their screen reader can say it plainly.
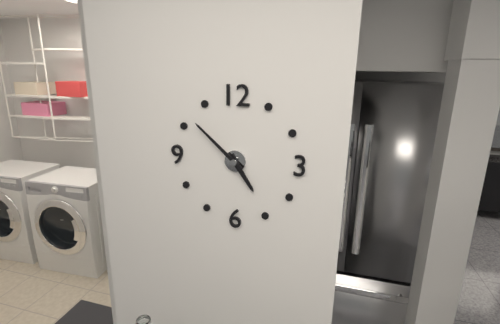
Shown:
4.52
